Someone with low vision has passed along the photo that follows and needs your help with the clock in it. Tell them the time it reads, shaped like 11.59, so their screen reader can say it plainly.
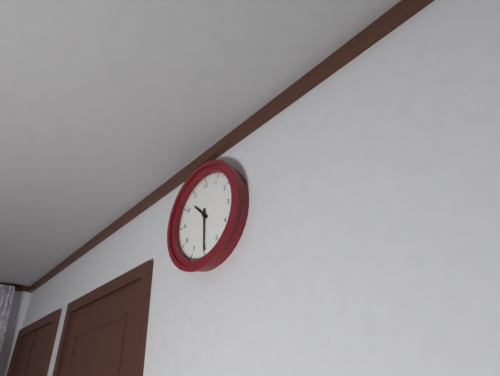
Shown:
10.30
